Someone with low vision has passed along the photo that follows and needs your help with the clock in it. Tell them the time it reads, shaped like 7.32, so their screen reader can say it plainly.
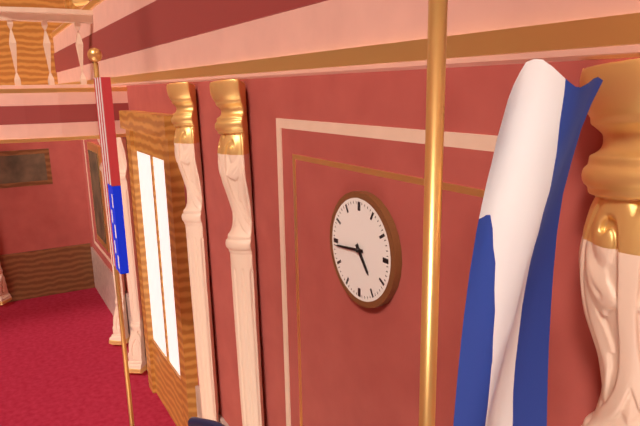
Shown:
4.44
